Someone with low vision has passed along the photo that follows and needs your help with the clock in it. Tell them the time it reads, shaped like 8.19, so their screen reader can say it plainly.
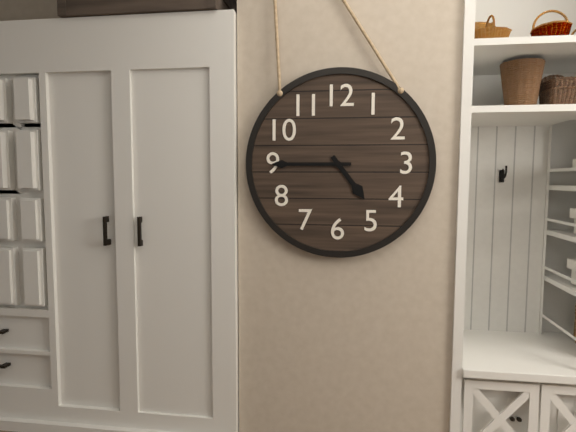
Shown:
4.45
